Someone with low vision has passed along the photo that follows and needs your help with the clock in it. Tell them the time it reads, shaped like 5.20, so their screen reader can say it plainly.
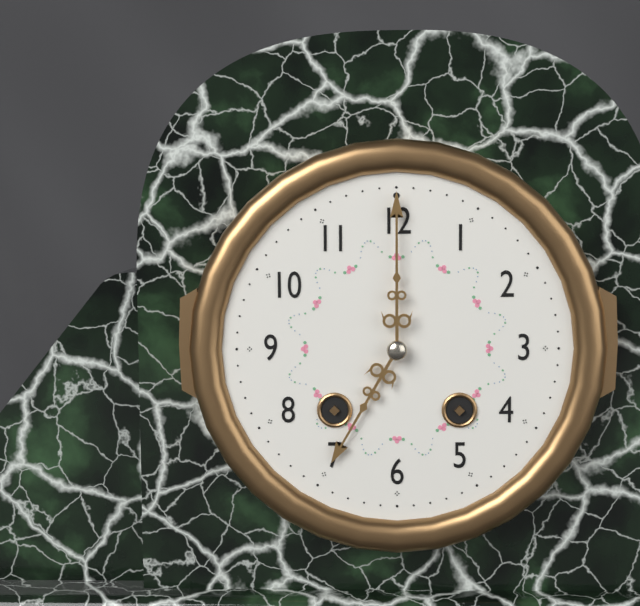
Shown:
7.00
